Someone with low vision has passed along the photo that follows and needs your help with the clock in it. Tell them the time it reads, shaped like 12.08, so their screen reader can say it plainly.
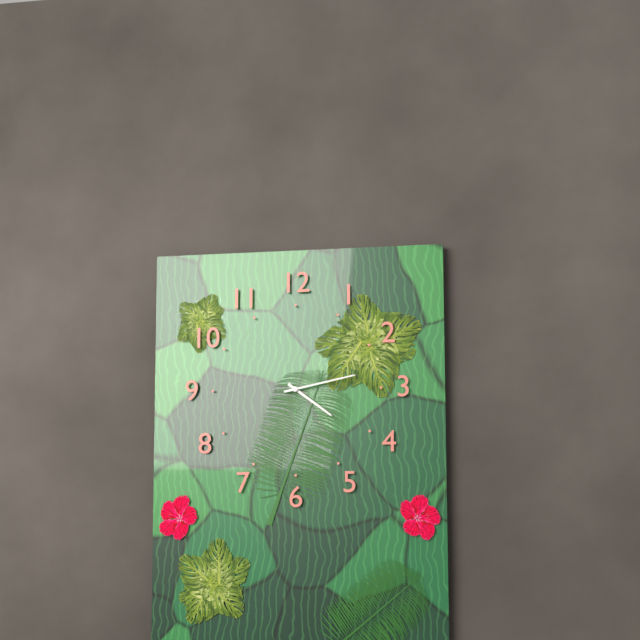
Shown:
4.13
